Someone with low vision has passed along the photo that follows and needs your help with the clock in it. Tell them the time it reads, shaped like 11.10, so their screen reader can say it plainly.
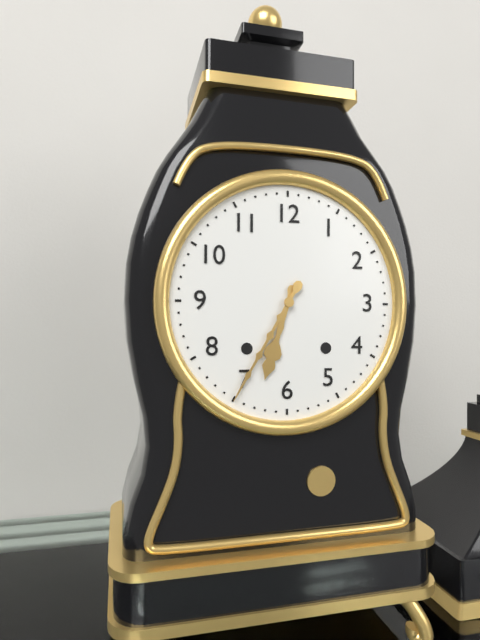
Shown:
6.35
